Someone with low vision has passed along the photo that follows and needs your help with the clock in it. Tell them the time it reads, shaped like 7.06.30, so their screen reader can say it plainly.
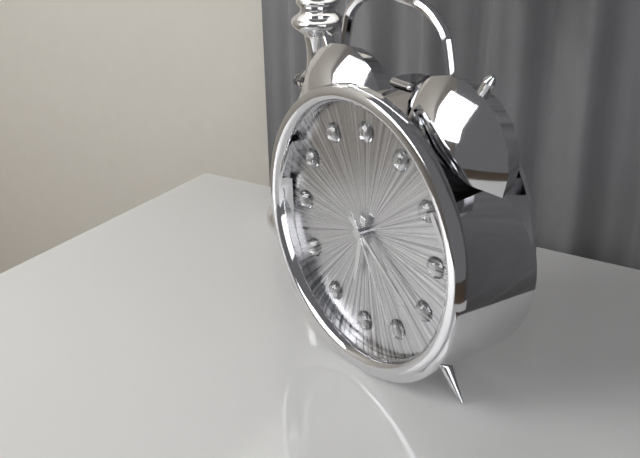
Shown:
6.21.25
